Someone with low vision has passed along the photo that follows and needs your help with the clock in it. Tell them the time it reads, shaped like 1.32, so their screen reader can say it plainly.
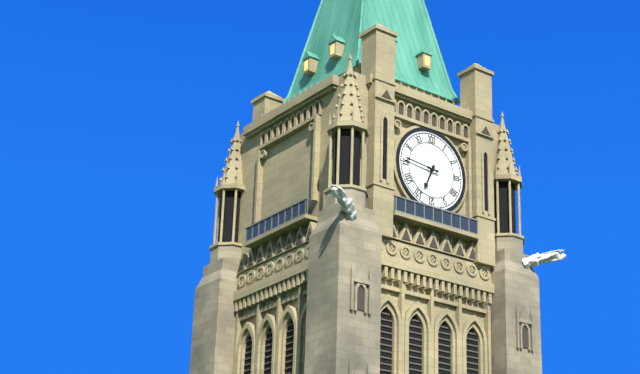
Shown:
6.46
